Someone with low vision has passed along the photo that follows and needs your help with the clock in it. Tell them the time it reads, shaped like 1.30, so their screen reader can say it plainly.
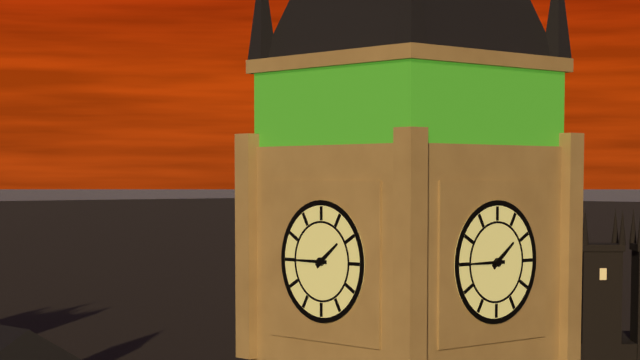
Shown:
1.45
